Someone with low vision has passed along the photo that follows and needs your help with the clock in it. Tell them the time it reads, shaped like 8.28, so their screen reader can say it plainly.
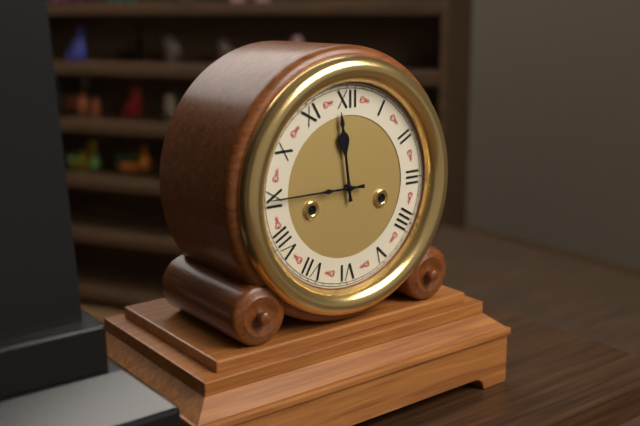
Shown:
11.45
